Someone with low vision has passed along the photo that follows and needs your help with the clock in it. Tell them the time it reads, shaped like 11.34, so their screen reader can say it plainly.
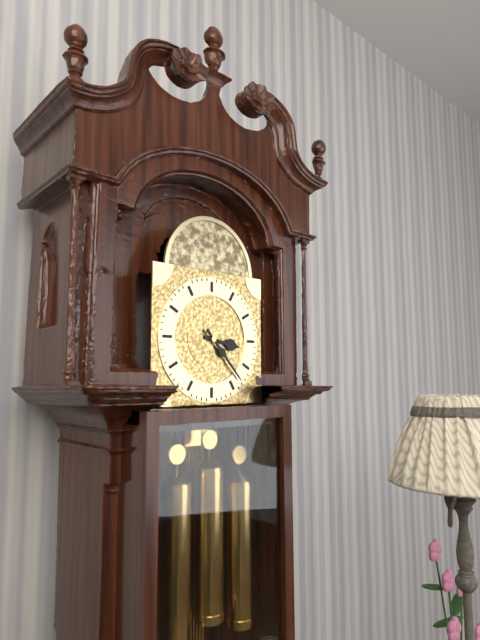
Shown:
3.23
